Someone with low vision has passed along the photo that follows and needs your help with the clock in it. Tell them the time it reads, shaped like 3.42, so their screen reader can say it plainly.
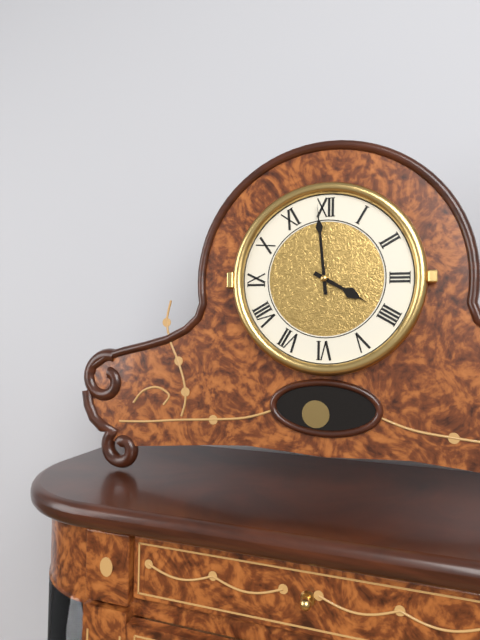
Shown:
3.59
